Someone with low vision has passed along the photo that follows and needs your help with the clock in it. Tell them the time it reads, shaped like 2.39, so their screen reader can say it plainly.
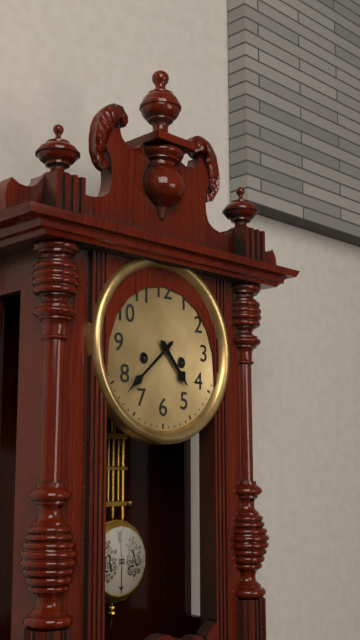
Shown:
4.38
